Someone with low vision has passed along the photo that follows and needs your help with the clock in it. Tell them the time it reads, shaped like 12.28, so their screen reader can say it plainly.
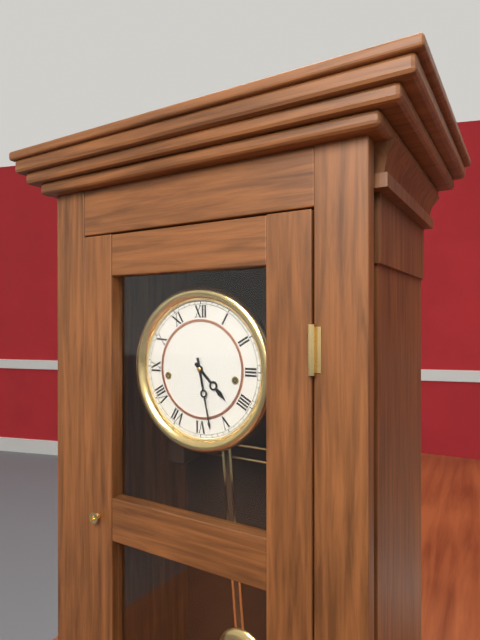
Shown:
4.28
